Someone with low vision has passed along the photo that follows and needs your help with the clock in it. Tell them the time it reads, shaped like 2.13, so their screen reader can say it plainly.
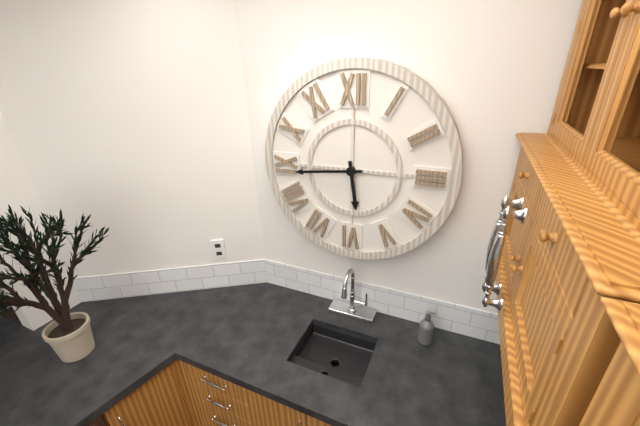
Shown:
5.44
